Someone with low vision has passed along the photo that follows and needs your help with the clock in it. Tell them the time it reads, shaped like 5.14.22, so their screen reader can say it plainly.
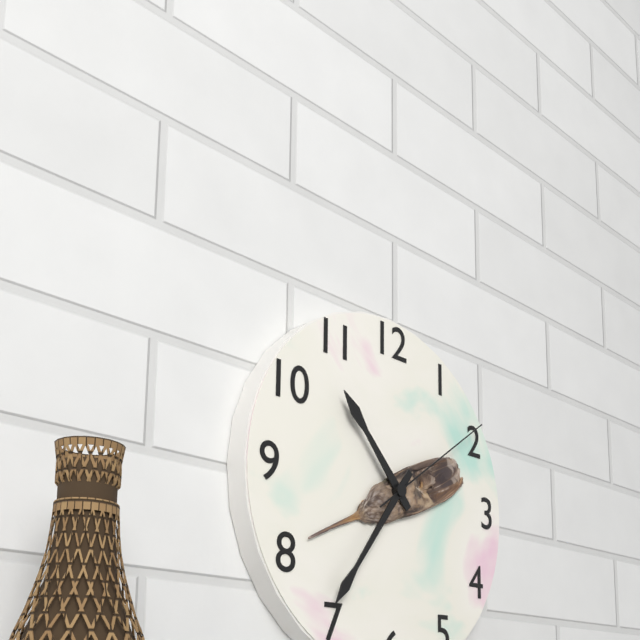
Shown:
10.36.09
